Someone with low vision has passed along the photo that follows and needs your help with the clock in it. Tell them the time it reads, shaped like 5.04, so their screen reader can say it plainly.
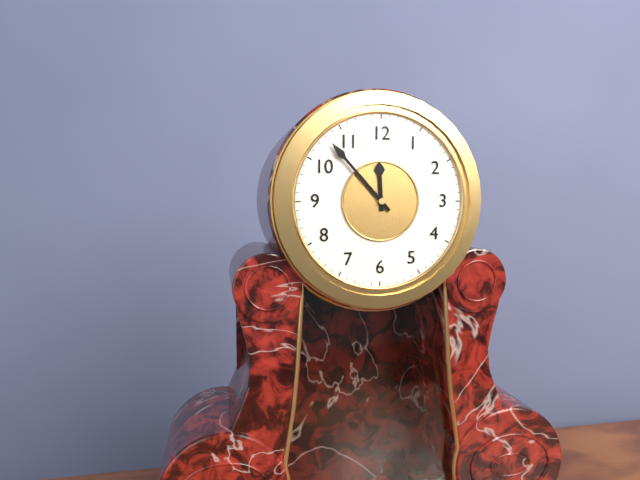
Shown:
11.53
